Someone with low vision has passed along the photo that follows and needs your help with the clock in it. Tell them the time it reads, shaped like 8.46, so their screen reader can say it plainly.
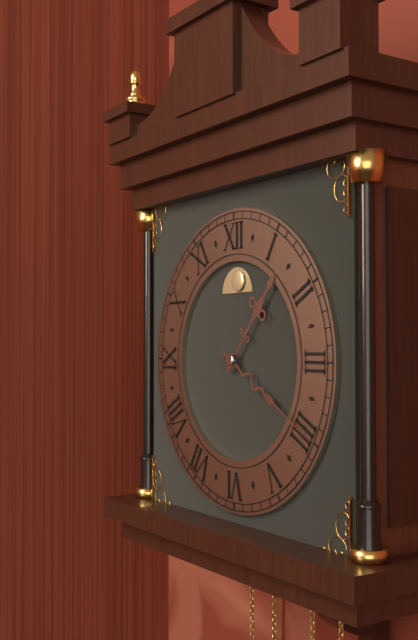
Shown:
1.20
